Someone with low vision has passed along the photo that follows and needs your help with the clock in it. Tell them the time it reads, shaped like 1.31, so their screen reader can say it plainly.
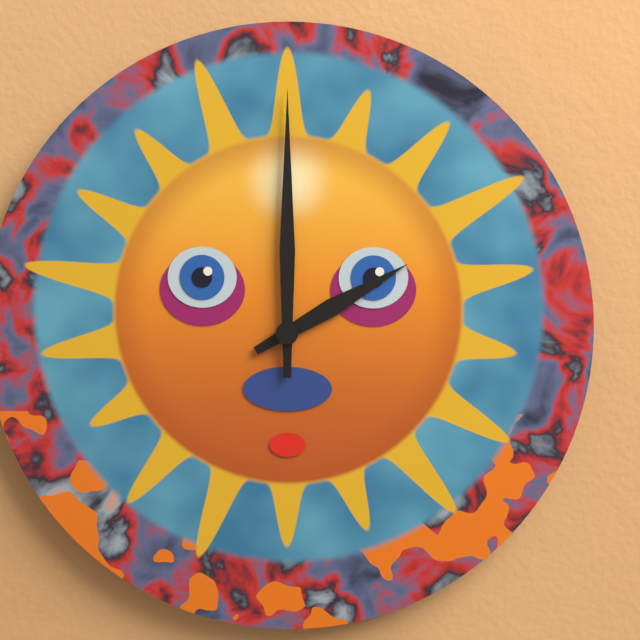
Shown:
2.00
